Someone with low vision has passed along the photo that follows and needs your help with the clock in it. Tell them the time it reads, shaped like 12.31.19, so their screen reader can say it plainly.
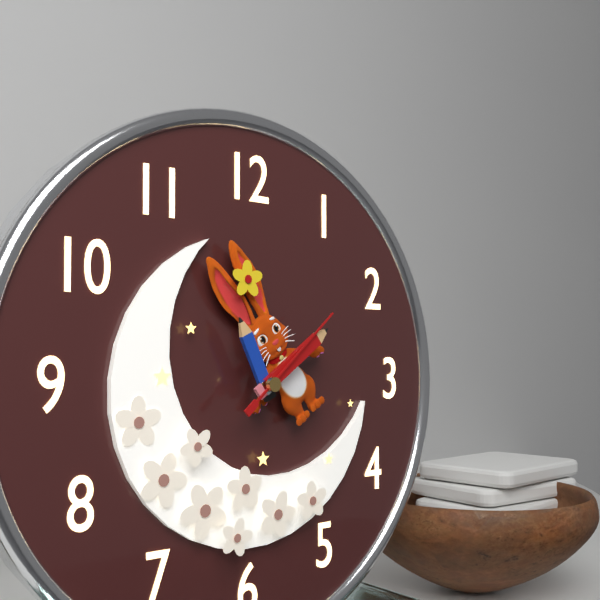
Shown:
11.09.08
